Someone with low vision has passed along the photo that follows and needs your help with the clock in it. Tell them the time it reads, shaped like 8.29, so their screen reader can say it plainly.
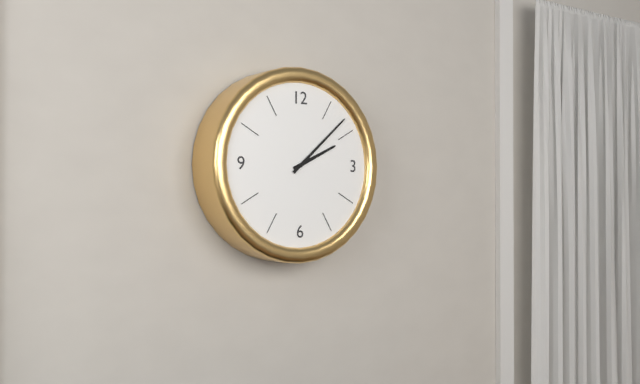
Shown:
2.08
